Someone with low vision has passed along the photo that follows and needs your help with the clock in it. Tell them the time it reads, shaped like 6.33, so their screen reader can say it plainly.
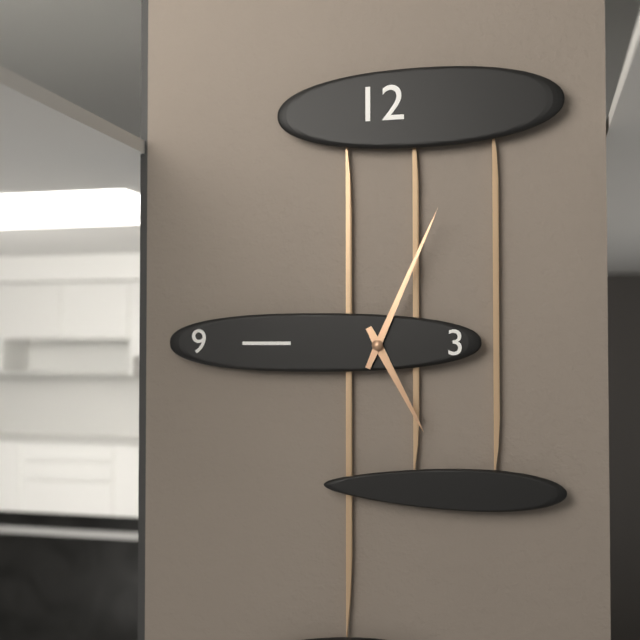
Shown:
5.04
